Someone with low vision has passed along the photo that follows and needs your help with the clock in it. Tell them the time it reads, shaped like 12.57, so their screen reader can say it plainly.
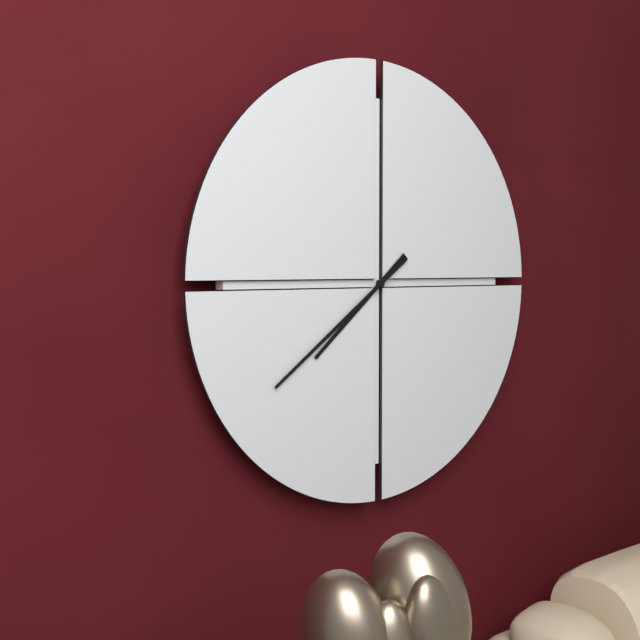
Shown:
7.39
